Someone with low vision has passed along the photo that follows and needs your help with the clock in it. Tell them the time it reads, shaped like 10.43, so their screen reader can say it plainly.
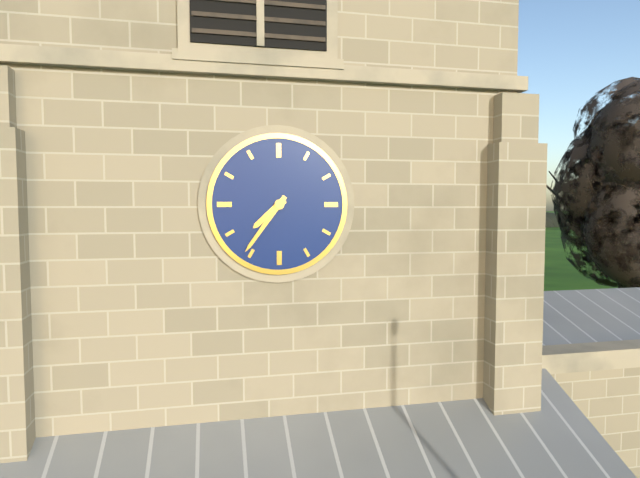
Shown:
7.36
